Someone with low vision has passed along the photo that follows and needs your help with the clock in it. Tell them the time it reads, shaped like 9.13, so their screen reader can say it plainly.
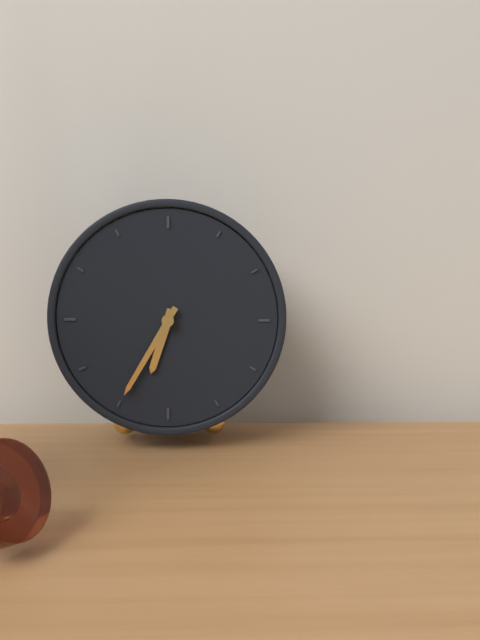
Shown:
6.35
